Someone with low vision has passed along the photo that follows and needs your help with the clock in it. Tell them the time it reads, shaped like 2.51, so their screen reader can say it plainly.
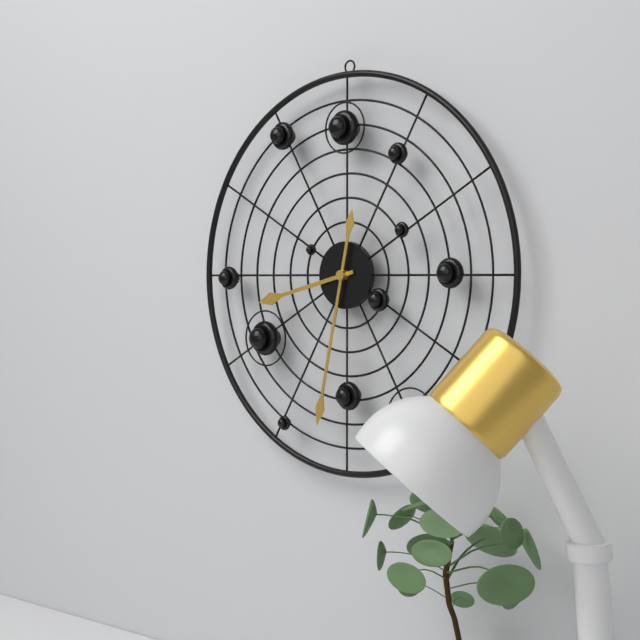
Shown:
8.32
